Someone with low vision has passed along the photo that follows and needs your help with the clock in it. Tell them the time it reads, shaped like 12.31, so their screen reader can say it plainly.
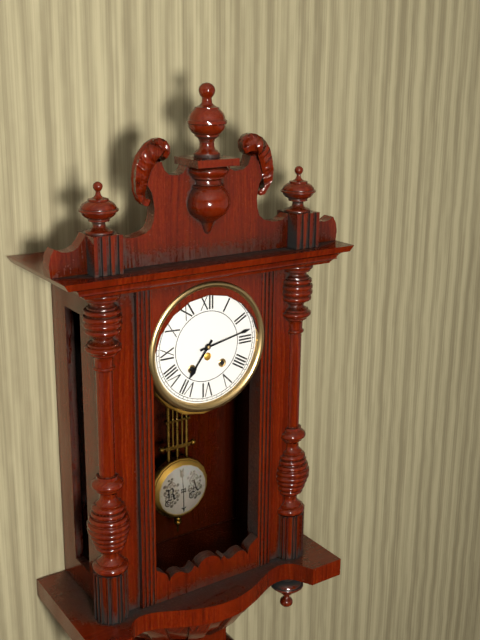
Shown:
7.13
